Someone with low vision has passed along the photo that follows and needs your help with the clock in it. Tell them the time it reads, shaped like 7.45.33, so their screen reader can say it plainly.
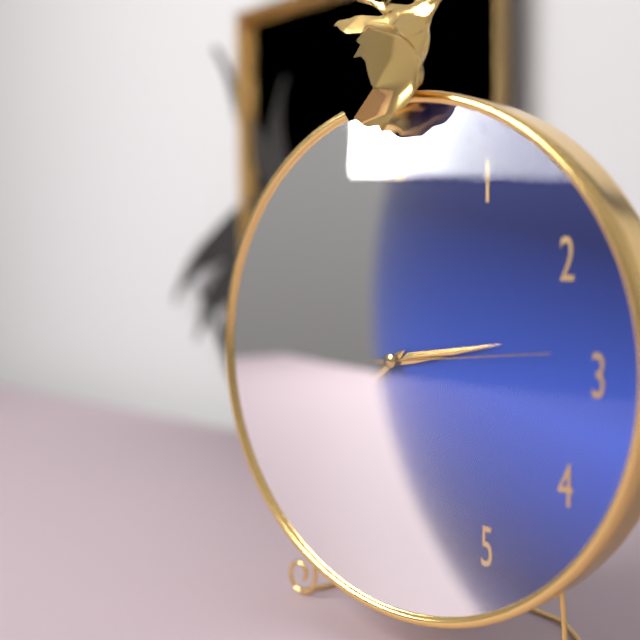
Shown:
2.39.14
